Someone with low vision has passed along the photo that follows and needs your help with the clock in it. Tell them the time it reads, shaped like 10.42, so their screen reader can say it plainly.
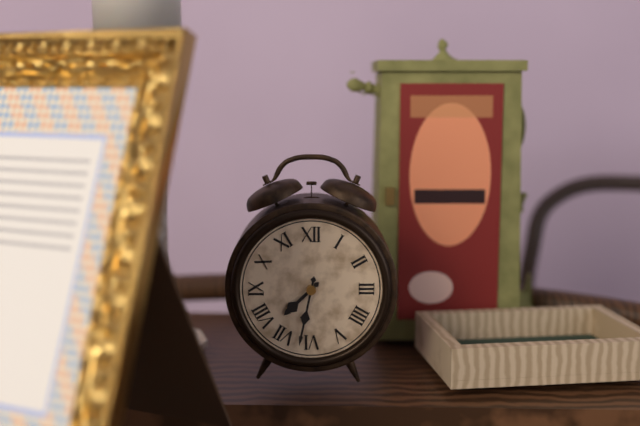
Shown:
7.32
